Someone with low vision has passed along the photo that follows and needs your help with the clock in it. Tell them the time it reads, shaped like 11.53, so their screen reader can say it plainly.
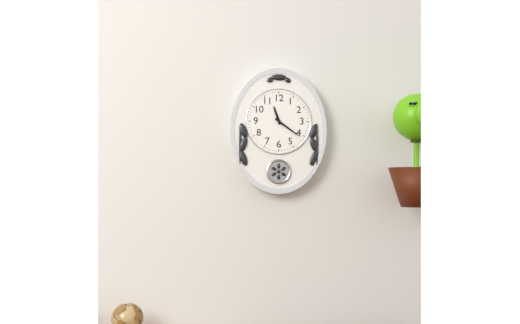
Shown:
11.21
